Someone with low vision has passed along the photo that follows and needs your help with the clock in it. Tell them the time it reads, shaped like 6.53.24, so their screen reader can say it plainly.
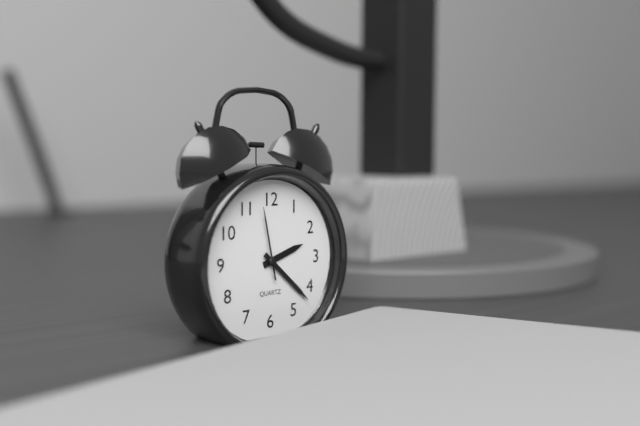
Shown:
2.22.58
